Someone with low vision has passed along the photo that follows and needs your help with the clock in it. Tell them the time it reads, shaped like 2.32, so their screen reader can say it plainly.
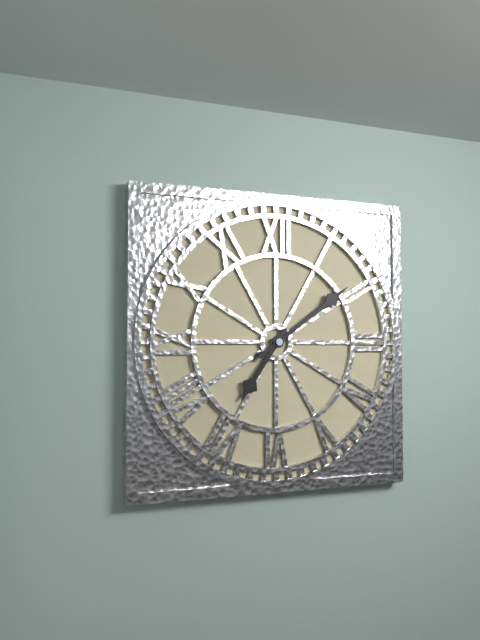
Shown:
7.09
